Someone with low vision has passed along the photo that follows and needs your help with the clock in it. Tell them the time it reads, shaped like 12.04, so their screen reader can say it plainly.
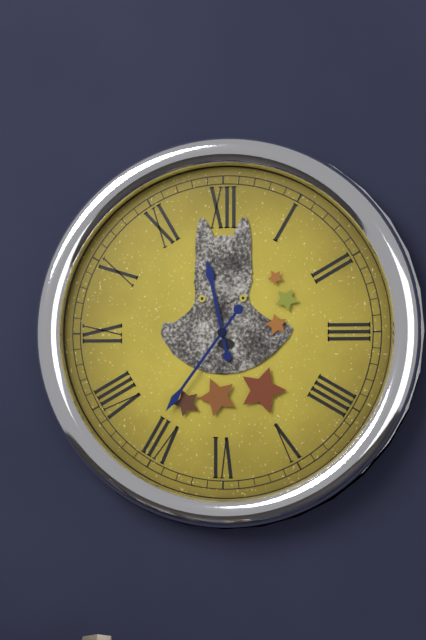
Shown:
11.36
